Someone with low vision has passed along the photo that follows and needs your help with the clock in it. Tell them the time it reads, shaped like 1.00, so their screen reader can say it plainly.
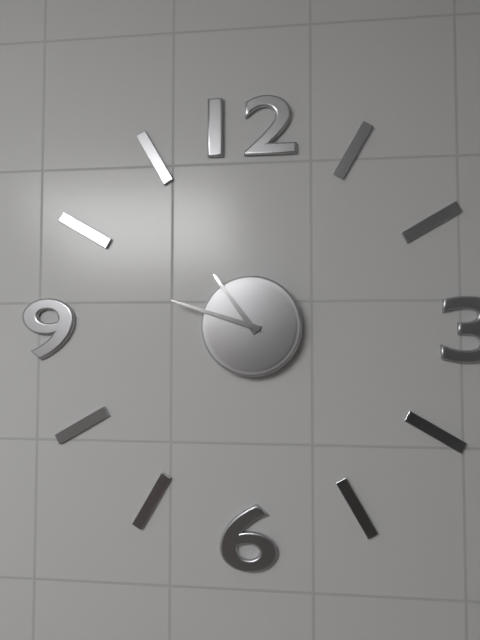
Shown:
10.48
